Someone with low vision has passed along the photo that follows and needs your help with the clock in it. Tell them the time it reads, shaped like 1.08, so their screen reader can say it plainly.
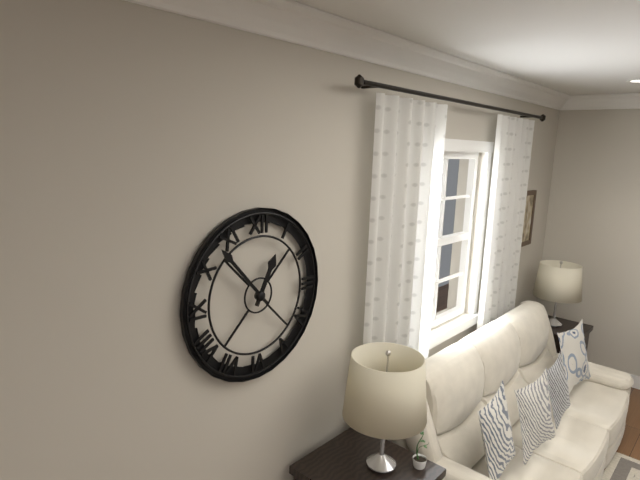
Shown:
12.53
